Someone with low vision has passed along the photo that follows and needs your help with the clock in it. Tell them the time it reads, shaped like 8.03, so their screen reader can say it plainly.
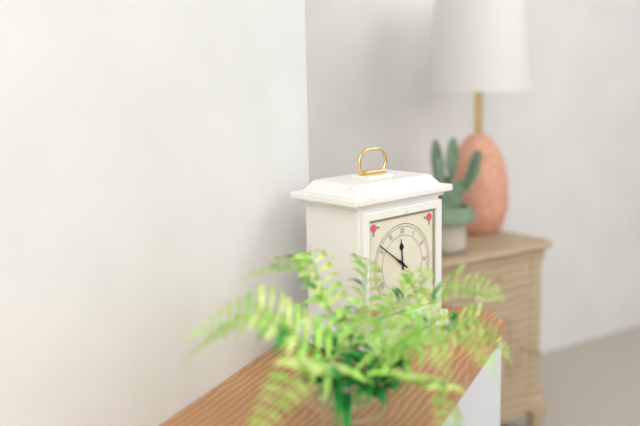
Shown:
11.51
